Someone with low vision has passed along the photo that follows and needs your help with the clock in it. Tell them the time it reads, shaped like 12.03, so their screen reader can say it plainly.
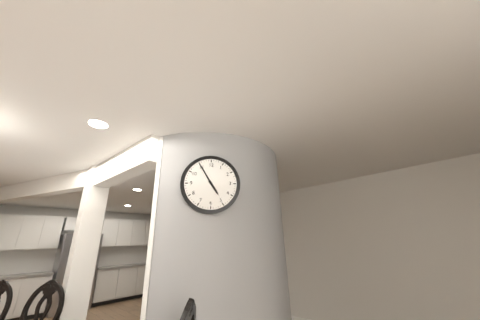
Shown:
4.55
